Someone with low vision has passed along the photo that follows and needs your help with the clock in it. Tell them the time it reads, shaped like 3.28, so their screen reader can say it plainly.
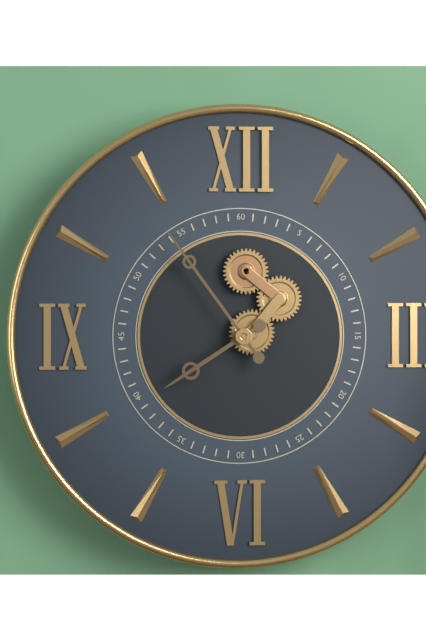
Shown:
7.54
